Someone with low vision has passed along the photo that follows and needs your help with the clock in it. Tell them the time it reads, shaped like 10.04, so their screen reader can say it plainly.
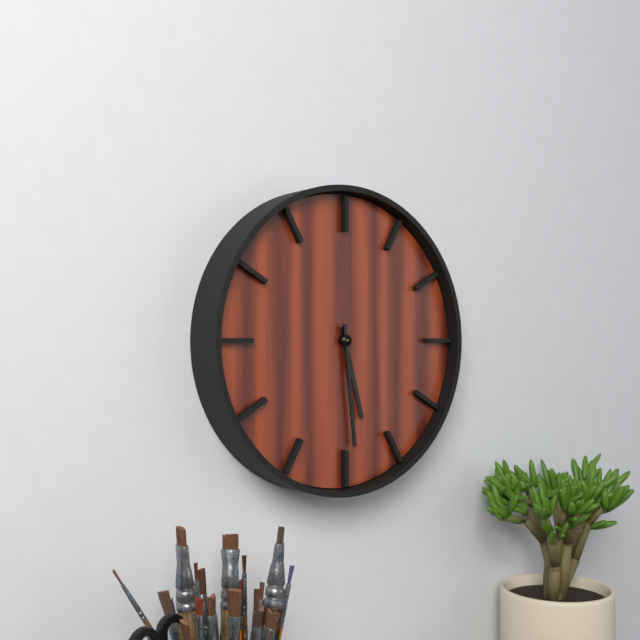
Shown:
5.29
